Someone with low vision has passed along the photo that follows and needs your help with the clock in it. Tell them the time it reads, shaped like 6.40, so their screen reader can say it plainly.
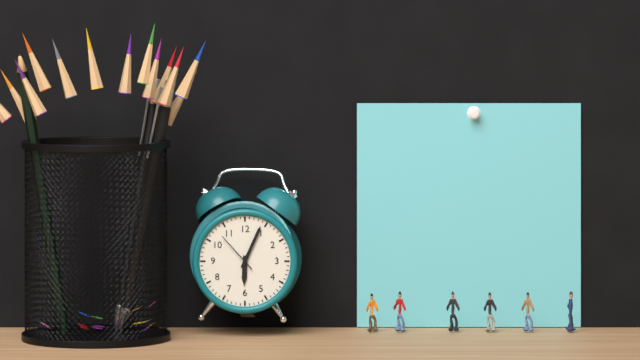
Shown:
6.04
